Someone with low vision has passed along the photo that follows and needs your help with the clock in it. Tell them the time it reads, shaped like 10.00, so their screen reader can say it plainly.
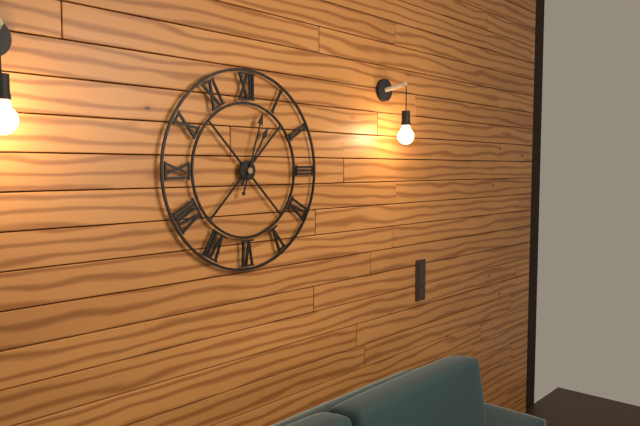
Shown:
1.03
